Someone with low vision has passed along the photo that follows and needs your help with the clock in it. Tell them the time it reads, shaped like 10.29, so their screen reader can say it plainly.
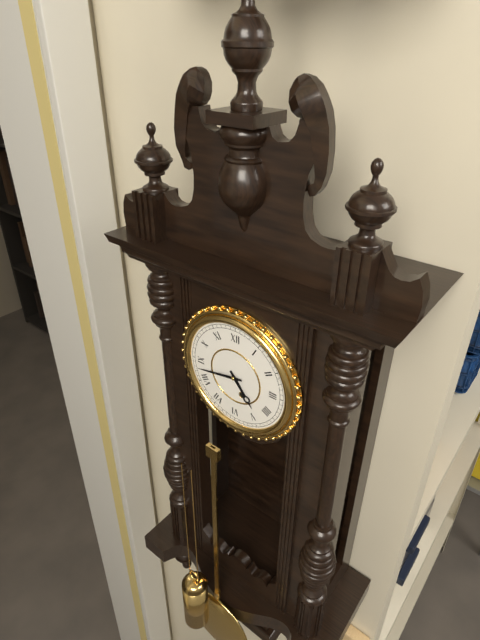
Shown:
4.43
